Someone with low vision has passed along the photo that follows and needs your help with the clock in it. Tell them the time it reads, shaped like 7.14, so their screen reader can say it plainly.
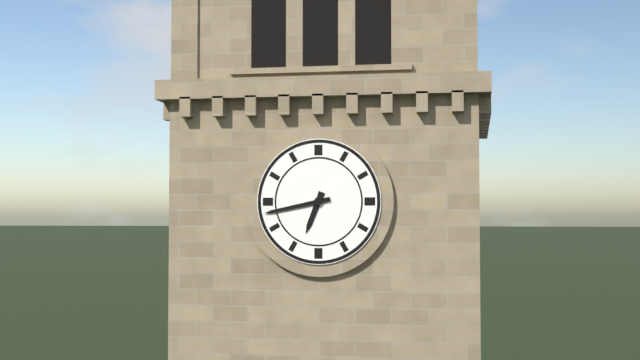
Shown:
6.43
